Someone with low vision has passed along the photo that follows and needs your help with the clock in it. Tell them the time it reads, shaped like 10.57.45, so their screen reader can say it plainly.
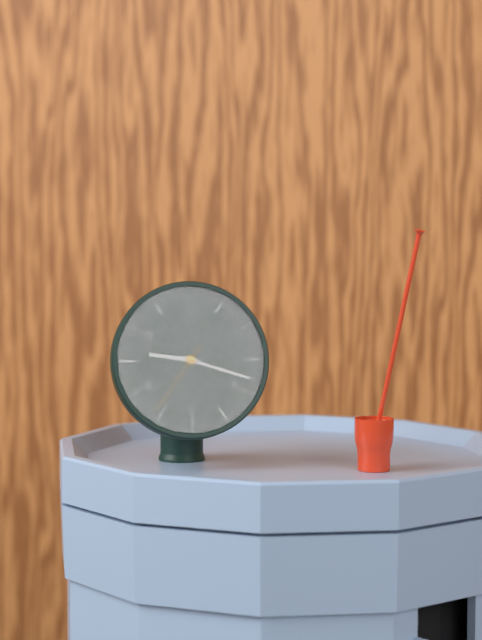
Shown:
9.18.36
